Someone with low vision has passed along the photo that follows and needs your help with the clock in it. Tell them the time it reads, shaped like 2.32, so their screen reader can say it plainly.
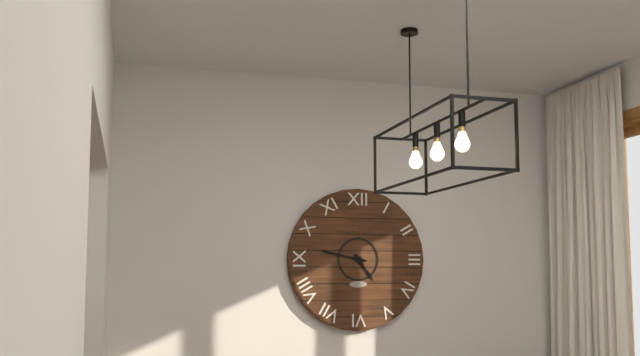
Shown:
4.47
